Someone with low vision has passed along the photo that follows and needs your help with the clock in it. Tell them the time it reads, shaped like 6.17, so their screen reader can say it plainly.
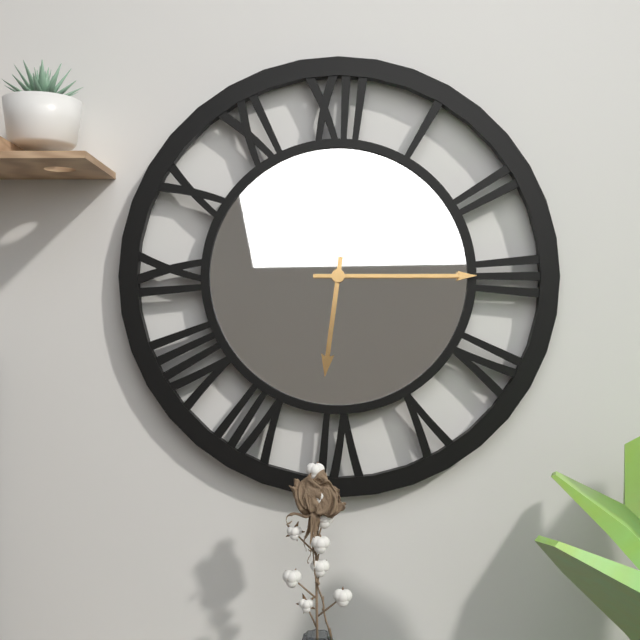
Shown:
6.15
